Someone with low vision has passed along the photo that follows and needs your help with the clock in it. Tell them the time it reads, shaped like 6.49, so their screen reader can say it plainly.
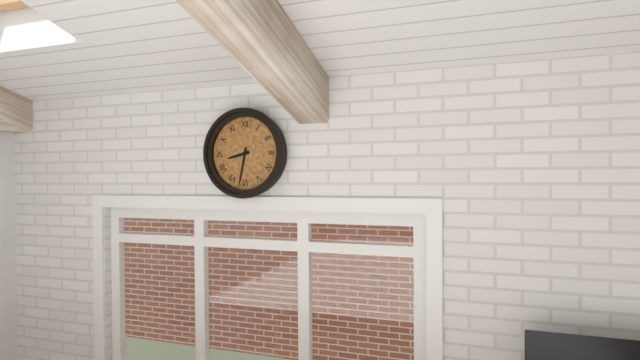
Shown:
8.32
